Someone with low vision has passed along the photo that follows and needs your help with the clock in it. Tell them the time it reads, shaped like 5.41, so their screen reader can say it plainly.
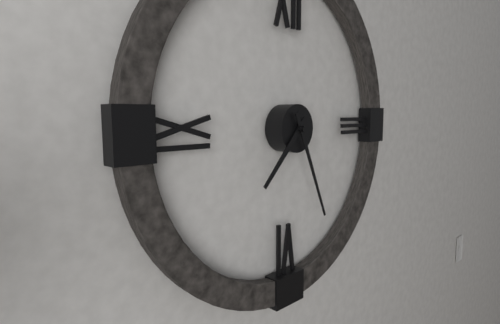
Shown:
7.26
